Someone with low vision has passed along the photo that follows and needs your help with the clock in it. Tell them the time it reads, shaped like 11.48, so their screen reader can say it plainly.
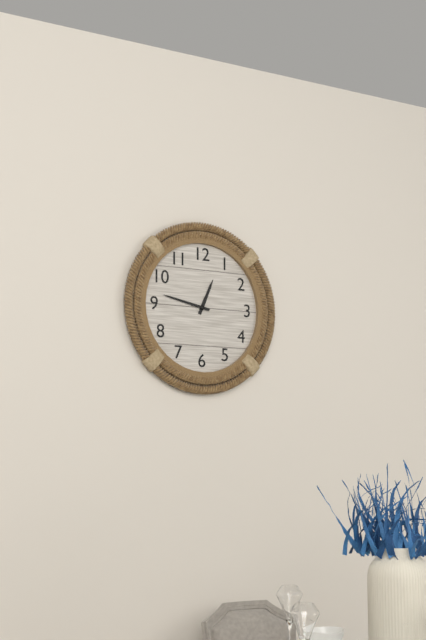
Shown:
12.47
